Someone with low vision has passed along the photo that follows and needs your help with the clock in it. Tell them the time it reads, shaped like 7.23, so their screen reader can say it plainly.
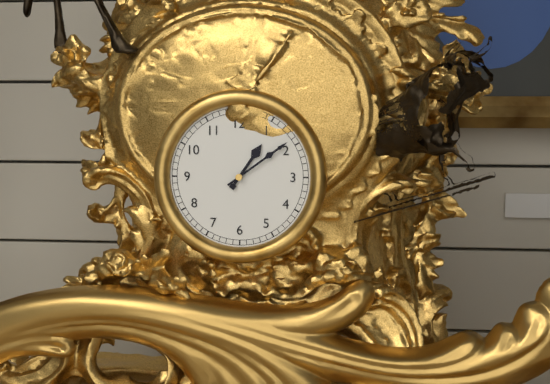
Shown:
1.09
